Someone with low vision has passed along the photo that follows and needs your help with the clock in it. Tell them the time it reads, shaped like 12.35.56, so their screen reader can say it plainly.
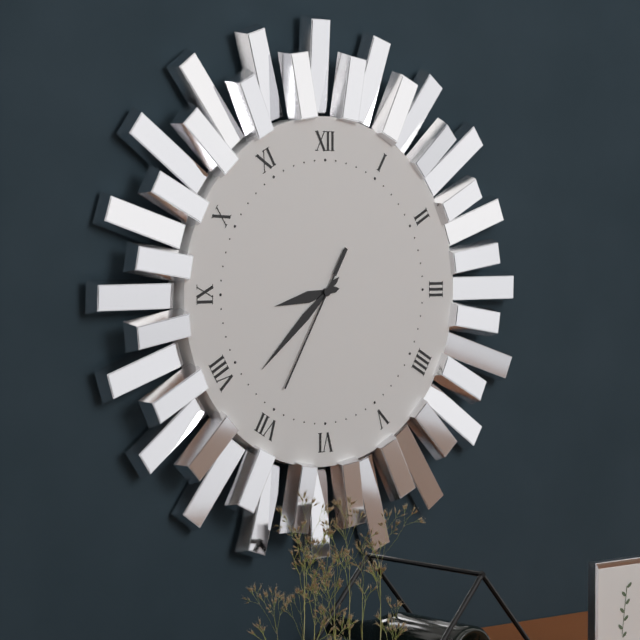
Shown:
8.38.35
